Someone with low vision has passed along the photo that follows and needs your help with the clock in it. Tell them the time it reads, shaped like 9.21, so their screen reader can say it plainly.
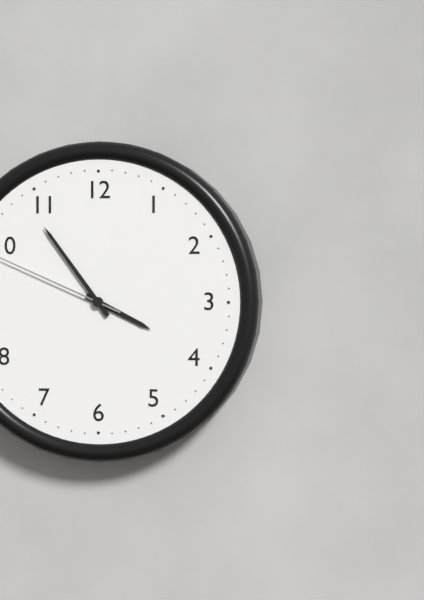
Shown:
3.54
